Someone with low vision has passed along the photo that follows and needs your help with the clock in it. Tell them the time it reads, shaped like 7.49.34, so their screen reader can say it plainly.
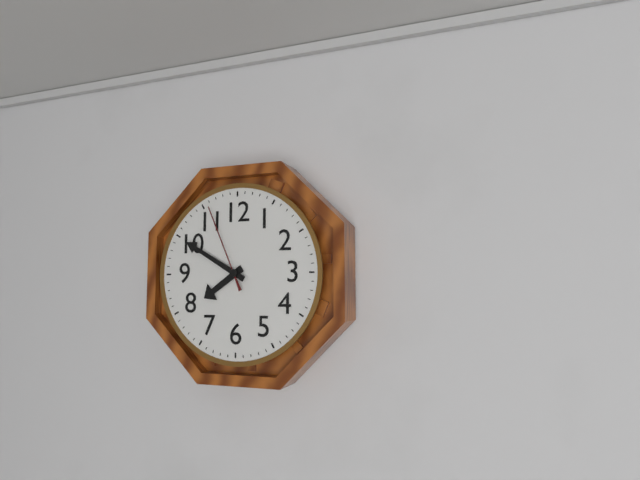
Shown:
7.50.56
